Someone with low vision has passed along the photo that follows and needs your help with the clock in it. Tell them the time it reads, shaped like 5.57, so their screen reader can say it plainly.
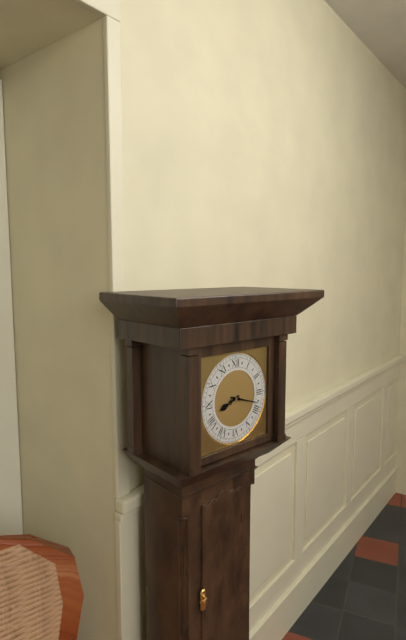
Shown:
8.18
